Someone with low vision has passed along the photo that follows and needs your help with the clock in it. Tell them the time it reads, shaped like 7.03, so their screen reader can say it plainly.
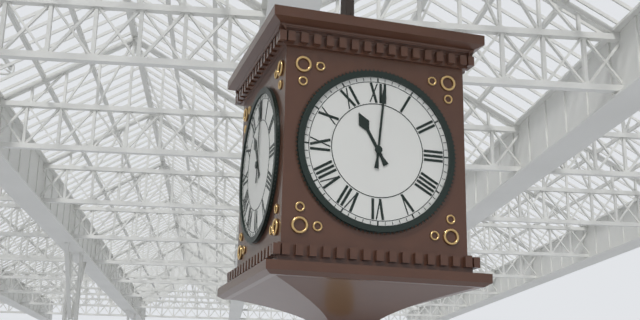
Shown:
11.01
